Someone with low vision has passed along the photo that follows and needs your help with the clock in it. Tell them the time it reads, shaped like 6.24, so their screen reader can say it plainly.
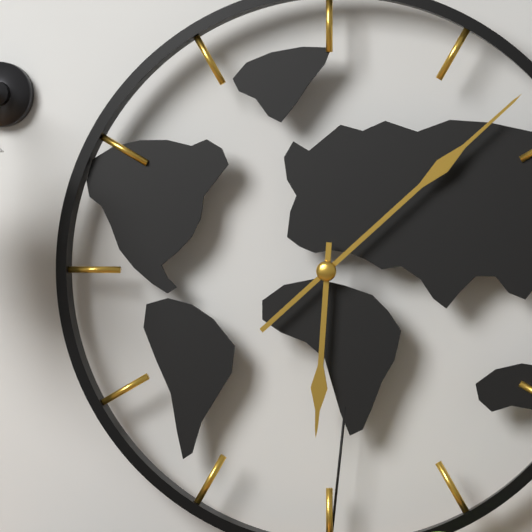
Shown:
6.08
